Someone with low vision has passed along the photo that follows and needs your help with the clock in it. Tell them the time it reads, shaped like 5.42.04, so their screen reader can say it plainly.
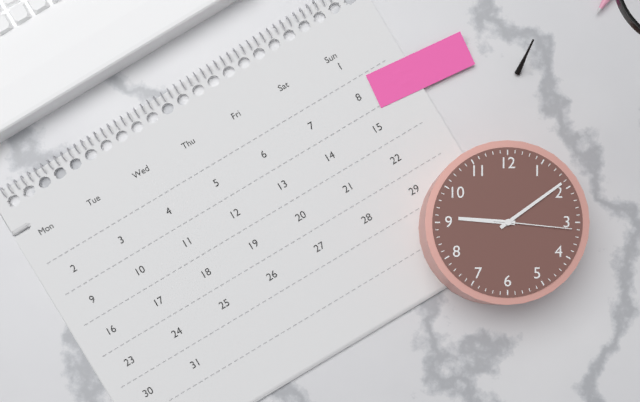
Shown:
9.09.16
